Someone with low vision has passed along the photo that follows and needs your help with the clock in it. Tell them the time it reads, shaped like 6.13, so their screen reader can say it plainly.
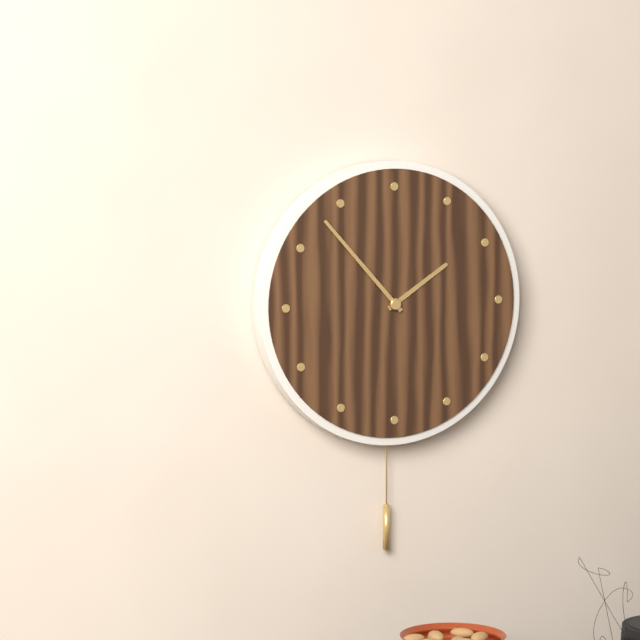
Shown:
1.53
